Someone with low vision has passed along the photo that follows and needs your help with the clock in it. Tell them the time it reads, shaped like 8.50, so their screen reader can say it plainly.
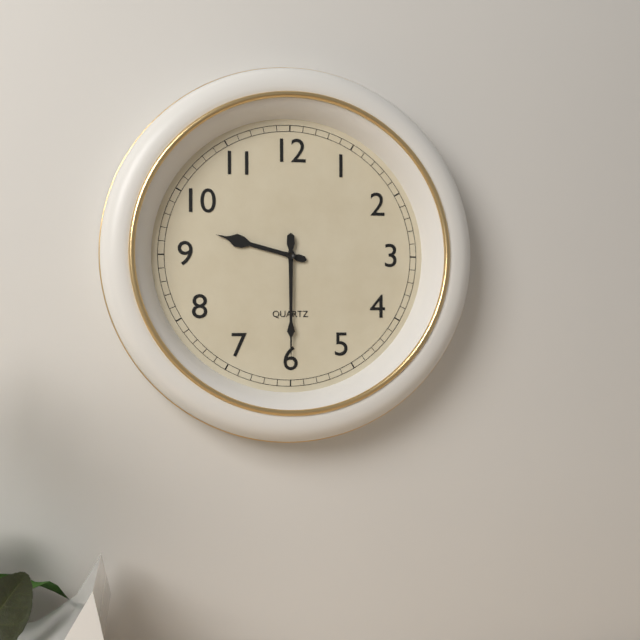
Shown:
9.30
